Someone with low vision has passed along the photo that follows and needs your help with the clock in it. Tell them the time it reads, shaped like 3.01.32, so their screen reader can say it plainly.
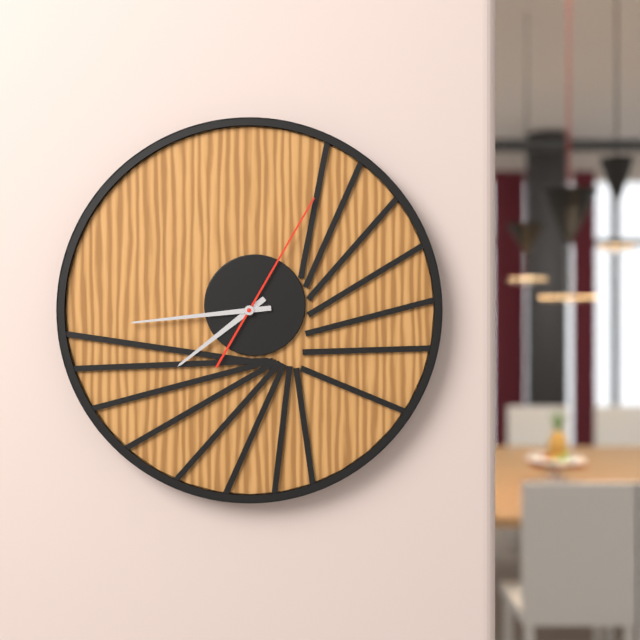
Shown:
7.44.05
